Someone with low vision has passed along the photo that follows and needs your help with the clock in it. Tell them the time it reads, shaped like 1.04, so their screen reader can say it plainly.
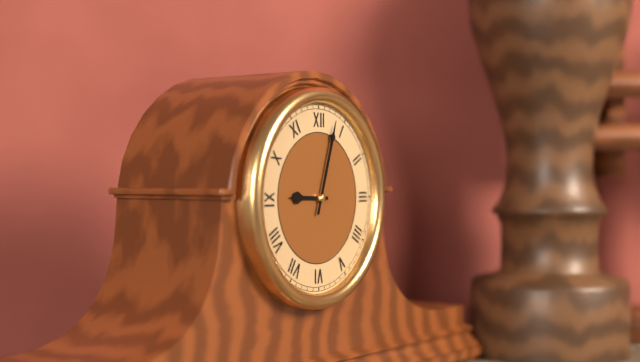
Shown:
9.03
